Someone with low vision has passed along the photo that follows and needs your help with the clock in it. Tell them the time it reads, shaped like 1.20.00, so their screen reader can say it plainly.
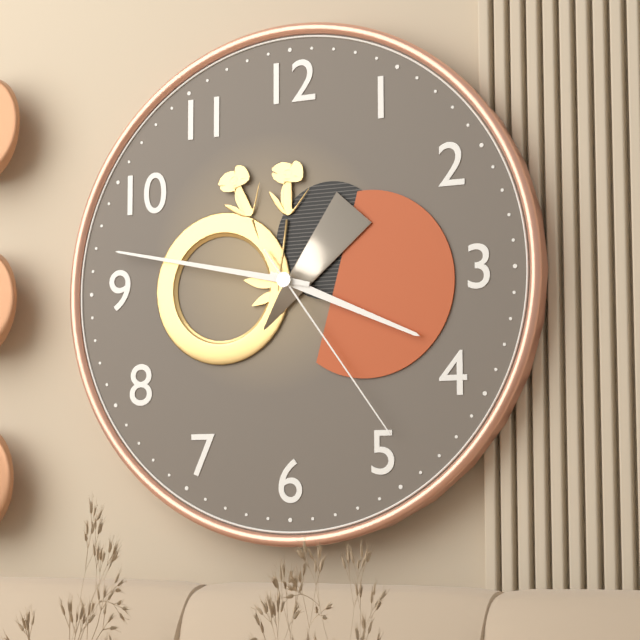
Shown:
3.47.24
